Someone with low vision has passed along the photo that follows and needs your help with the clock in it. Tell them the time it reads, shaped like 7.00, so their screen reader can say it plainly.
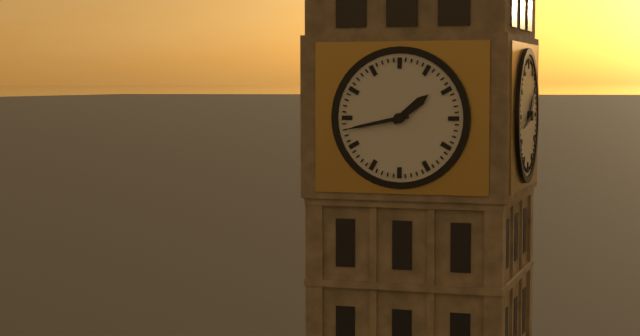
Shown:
1.43
